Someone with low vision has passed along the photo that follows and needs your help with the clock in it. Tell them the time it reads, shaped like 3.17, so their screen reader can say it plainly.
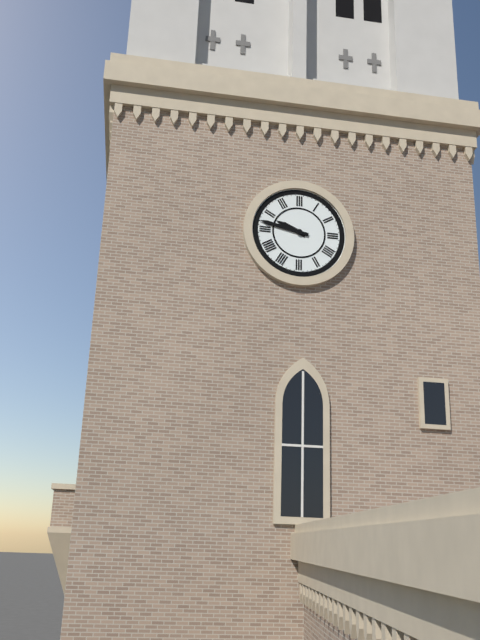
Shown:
9.47
